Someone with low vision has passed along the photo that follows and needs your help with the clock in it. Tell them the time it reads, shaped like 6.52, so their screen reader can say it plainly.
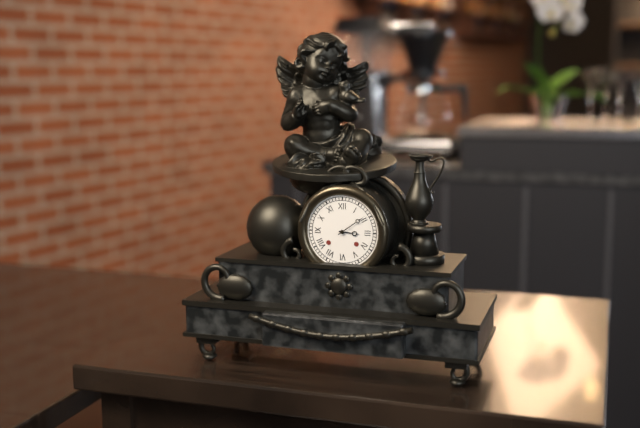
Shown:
3.09
